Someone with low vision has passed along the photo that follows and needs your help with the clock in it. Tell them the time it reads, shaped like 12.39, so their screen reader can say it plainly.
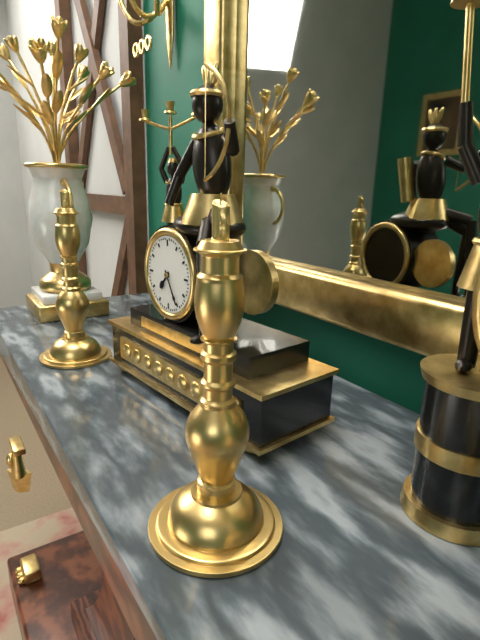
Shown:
7.25
